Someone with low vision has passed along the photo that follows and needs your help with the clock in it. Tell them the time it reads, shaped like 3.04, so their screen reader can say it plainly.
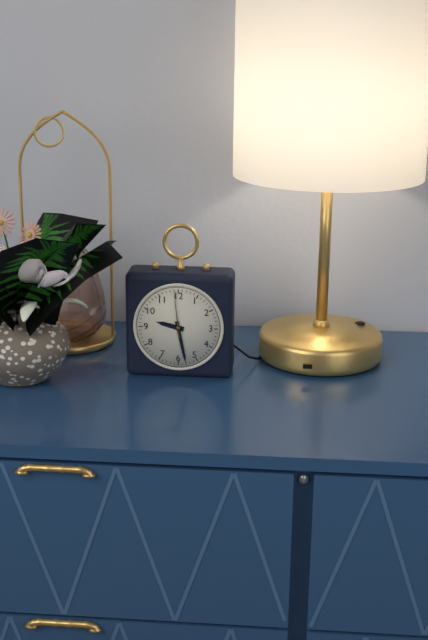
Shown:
9.28
